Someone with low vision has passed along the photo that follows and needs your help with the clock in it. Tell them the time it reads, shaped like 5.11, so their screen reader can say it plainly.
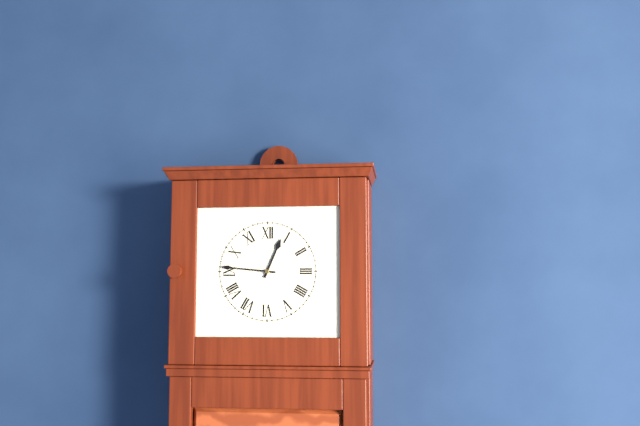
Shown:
12.46
